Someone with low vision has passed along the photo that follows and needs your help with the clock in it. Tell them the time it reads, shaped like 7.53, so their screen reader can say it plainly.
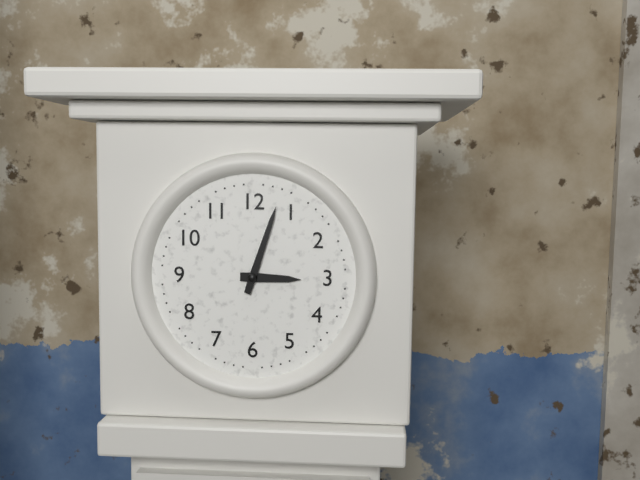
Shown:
3.03
